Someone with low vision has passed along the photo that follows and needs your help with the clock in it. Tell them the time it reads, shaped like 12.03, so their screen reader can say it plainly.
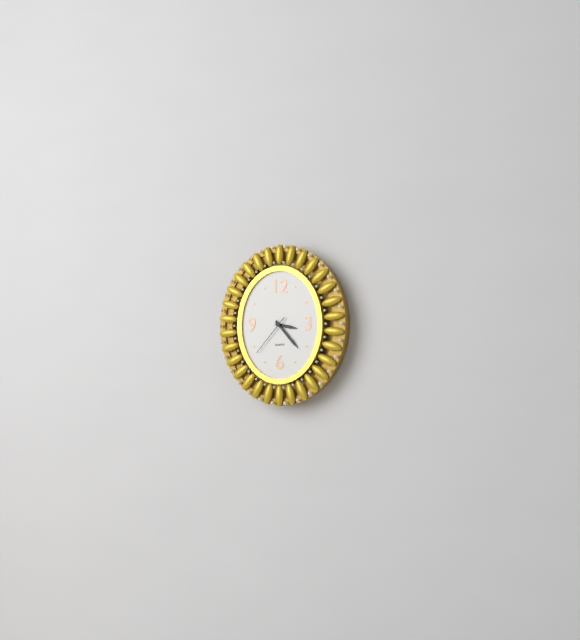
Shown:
3.23
